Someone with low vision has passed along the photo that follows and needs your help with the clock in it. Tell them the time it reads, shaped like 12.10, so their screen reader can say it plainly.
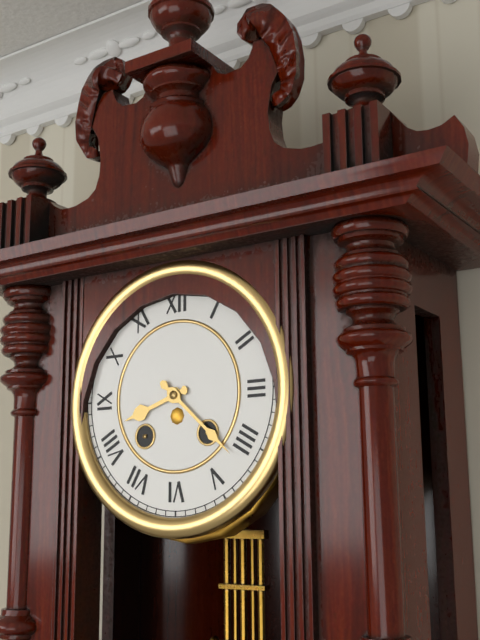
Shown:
8.22
